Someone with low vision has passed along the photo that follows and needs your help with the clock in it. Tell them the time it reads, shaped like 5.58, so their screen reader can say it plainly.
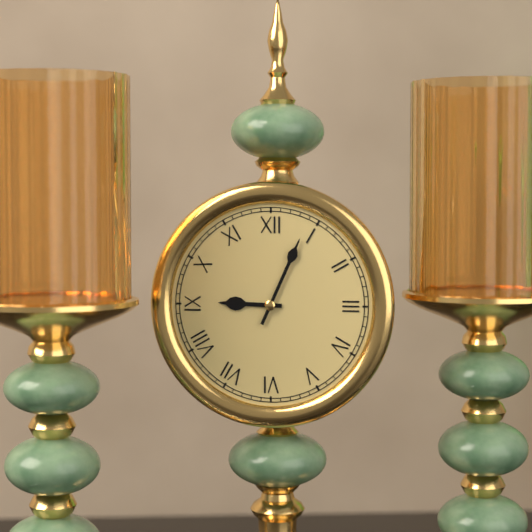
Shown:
9.04
